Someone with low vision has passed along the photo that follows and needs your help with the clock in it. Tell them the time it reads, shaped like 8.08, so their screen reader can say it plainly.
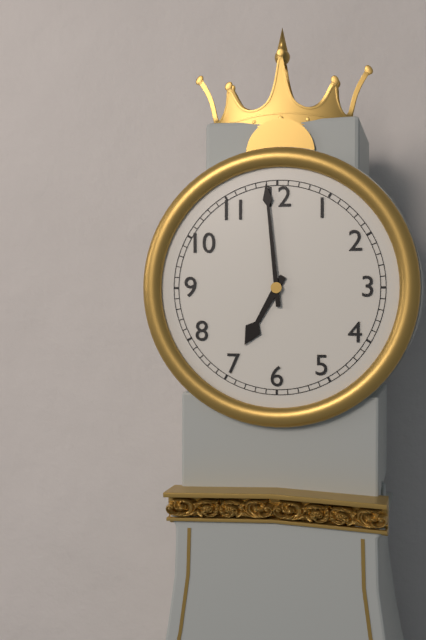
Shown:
6.59
